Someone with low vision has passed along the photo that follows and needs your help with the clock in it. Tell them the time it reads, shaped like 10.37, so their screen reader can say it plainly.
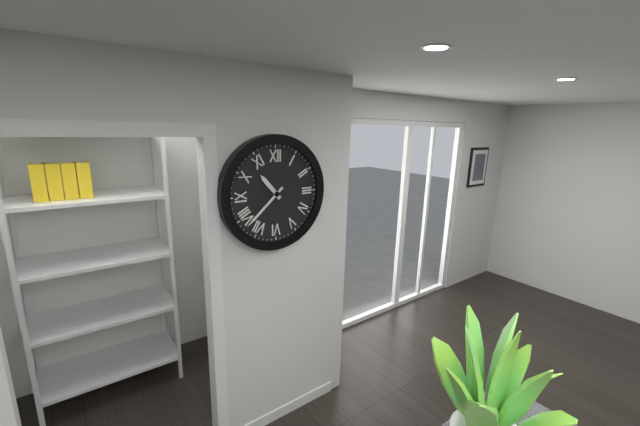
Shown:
10.38
